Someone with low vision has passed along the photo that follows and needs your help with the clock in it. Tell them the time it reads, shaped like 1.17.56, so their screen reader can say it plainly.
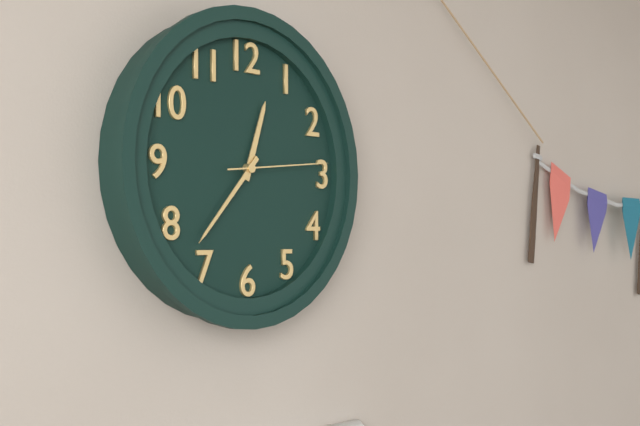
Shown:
12.37.14
